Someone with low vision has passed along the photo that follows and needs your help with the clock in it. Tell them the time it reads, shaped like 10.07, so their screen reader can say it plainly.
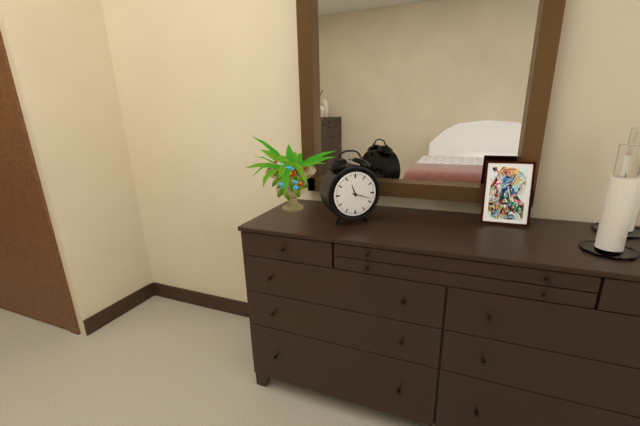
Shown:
11.18
